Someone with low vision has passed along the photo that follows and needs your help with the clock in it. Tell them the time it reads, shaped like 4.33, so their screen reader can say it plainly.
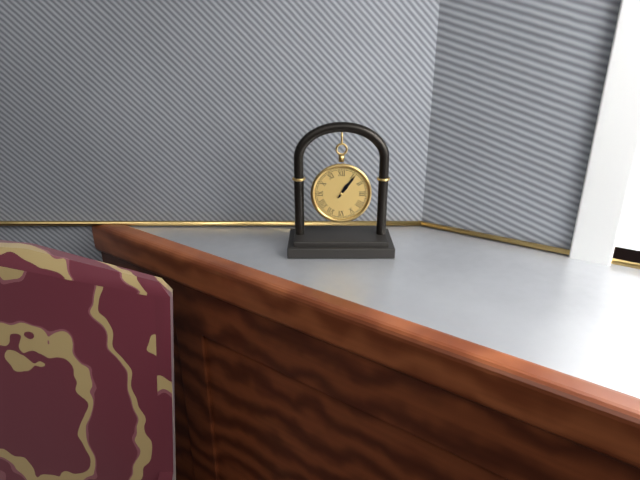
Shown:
1.06
